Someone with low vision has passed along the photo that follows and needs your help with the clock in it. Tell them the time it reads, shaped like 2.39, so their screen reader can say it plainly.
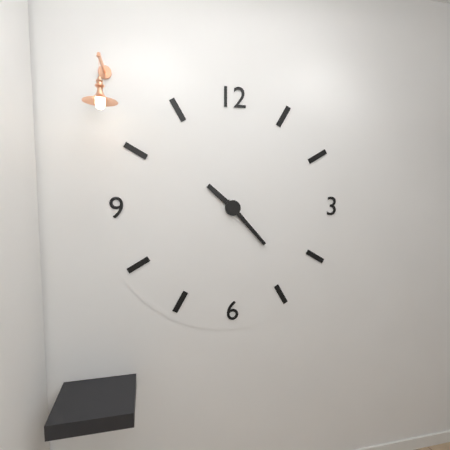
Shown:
10.23
